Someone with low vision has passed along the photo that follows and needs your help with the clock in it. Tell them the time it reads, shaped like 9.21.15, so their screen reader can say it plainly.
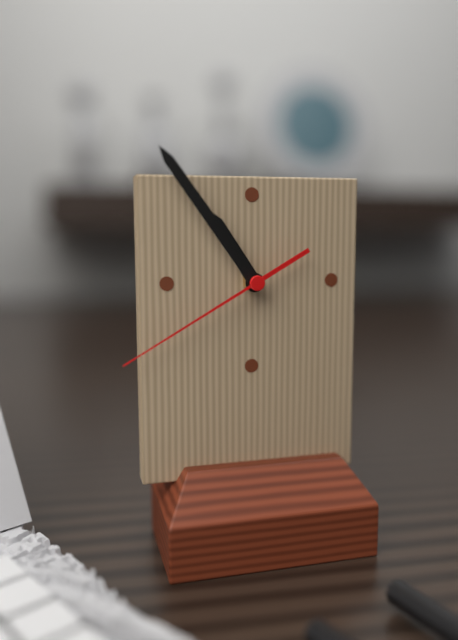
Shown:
10.54.40
